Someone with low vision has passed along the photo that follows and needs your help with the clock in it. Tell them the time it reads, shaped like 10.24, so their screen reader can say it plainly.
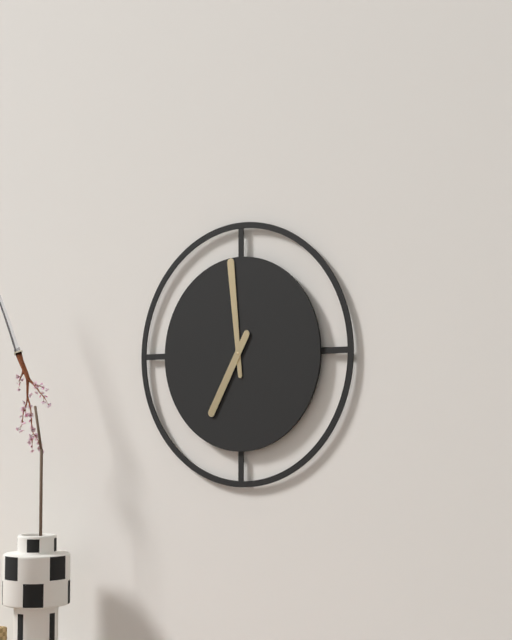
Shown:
6.59
